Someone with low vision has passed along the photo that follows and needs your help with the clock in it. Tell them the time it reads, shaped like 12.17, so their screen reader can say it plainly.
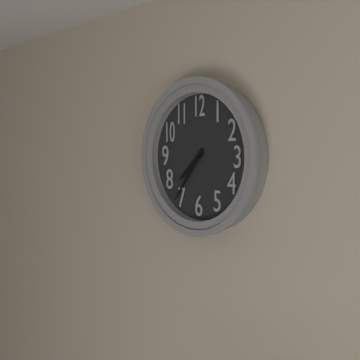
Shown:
7.36
